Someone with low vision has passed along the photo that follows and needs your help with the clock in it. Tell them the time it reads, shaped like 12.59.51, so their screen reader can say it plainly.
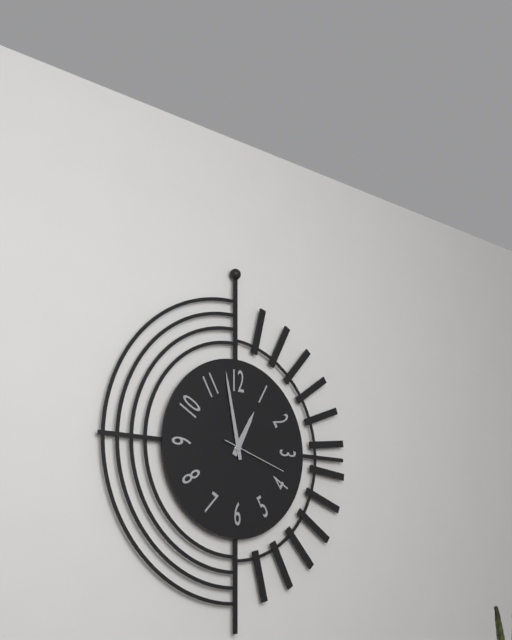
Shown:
12.58.18
